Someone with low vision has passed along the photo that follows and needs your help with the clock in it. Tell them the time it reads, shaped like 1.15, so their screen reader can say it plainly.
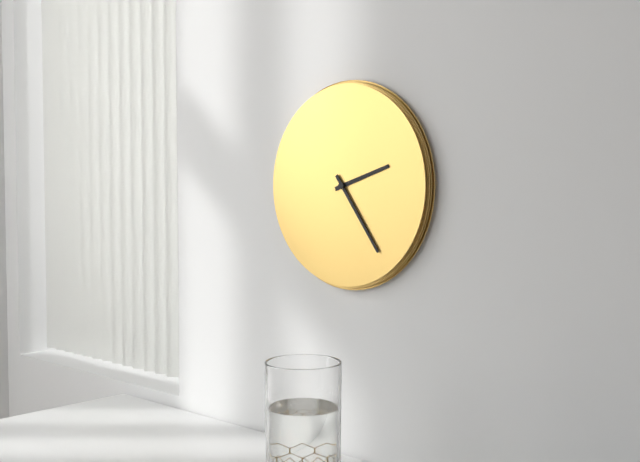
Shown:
2.24
